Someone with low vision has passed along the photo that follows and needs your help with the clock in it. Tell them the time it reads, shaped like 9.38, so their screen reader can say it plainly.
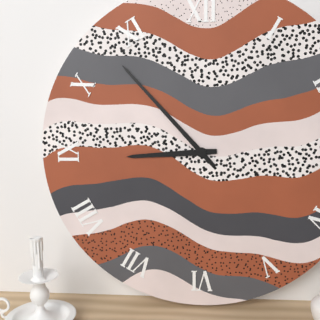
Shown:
8.53
